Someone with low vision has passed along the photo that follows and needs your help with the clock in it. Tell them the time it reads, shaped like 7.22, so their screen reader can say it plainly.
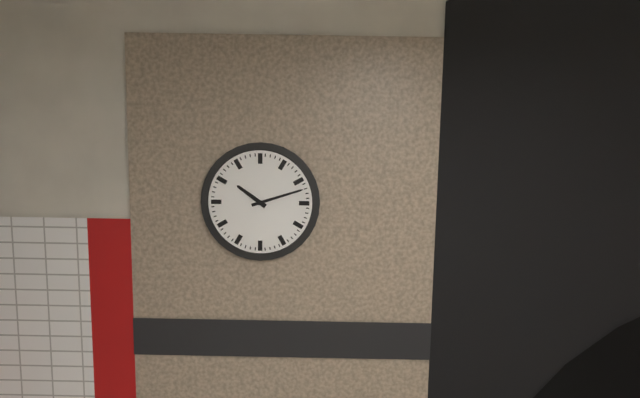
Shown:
10.12
